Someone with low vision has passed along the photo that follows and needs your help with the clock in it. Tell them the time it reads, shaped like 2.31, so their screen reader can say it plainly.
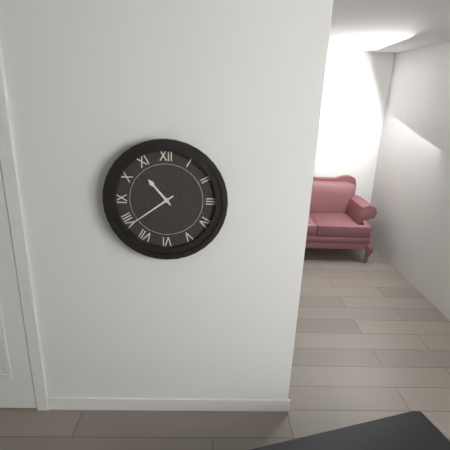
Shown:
10.39
